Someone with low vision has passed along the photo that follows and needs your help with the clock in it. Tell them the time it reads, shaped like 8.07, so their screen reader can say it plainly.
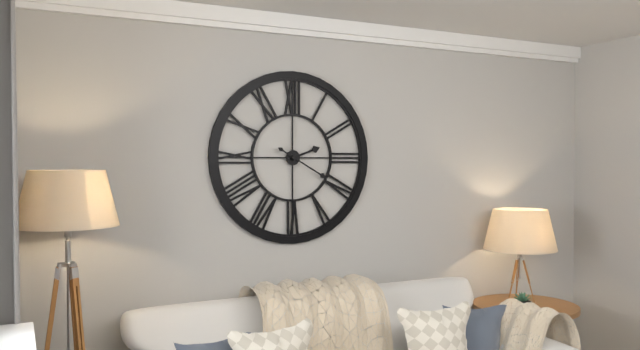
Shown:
2.20
